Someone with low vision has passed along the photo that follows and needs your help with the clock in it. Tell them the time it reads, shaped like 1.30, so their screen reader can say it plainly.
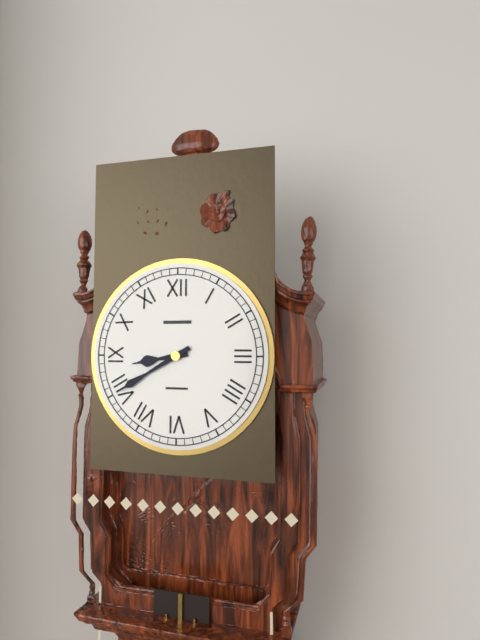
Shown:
8.40
